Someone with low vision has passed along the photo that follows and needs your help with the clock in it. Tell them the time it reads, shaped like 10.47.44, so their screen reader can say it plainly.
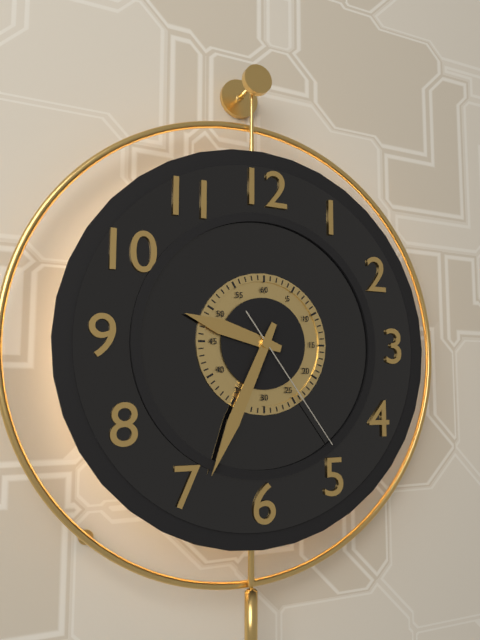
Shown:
9.34.24
